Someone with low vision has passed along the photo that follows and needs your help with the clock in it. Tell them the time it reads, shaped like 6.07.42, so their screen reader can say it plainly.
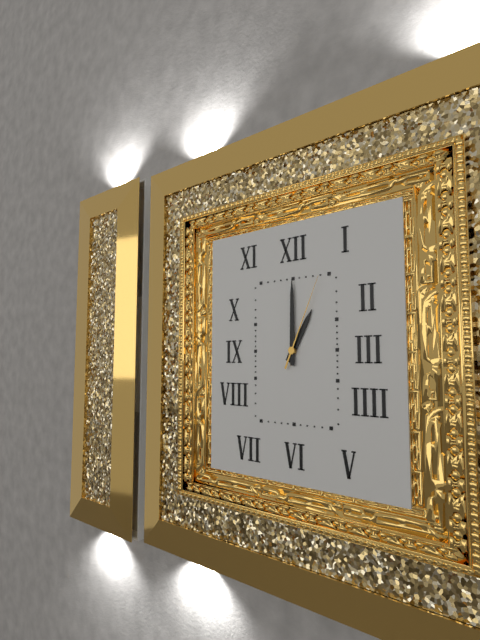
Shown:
1.00.04
